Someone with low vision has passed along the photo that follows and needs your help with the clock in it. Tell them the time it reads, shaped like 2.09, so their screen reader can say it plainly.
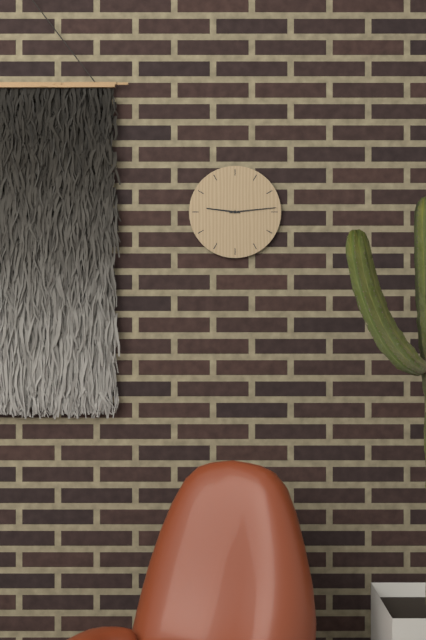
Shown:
9.14
